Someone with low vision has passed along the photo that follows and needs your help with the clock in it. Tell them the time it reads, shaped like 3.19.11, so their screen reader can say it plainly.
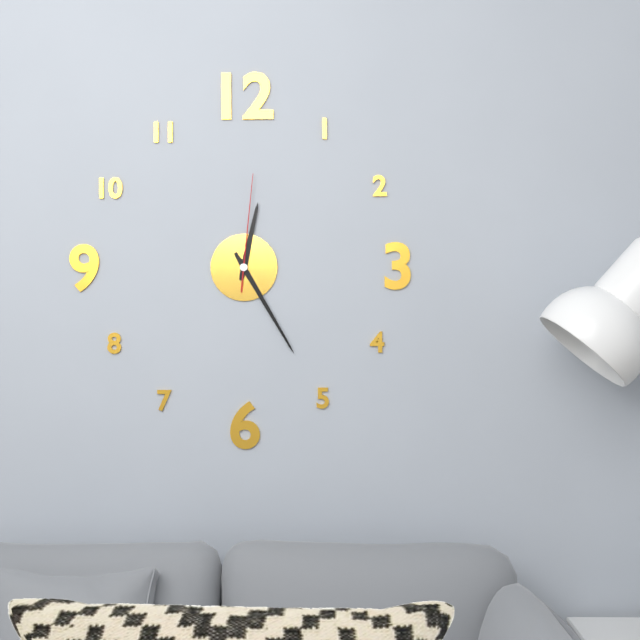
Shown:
12.25.01
